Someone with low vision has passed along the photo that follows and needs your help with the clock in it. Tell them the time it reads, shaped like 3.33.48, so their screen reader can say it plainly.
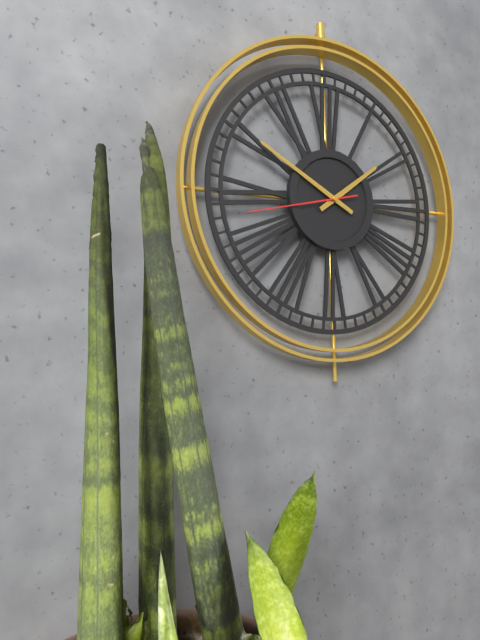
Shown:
1.50.43
